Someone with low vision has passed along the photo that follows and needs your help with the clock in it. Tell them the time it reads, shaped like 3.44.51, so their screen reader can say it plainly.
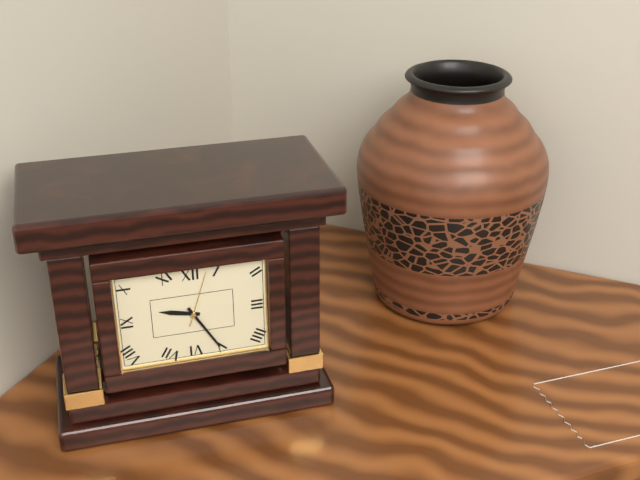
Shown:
9.25.03
